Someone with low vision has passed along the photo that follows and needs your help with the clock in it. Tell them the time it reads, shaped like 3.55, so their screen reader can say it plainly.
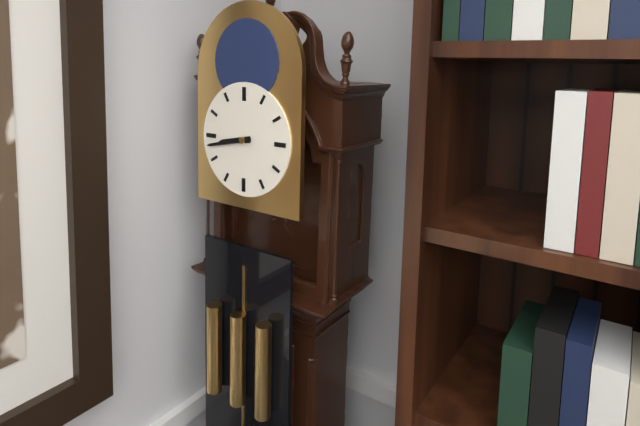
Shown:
8.43
